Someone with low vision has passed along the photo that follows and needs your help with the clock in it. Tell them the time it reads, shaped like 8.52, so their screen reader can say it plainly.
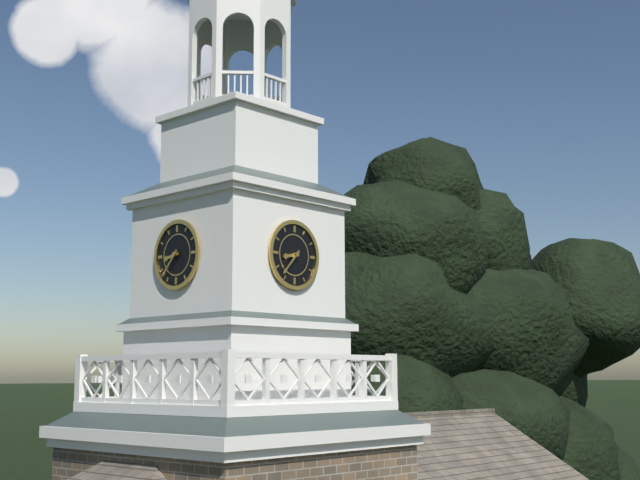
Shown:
8.37
